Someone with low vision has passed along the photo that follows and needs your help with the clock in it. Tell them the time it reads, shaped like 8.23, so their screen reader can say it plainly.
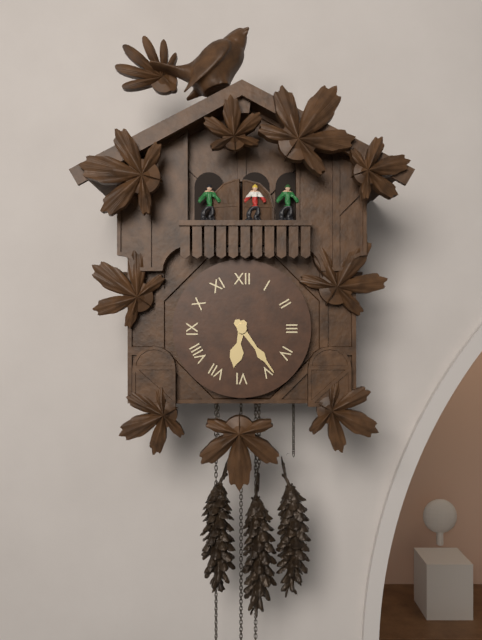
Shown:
6.24
